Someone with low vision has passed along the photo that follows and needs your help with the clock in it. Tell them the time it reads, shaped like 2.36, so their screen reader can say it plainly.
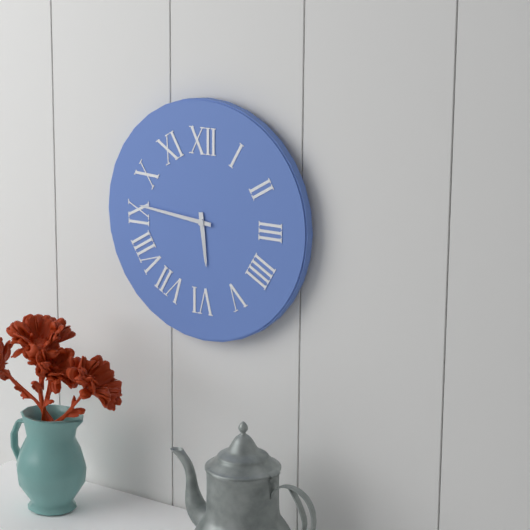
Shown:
5.46
